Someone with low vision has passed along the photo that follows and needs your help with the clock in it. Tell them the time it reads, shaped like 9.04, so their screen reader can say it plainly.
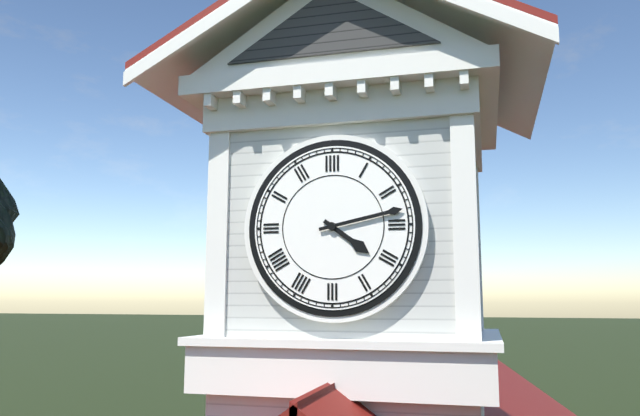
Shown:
4.13
